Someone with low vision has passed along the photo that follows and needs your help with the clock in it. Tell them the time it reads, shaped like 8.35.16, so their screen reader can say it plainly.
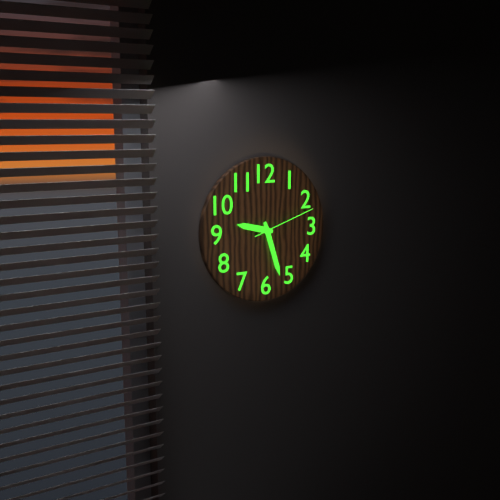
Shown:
9.27.12
